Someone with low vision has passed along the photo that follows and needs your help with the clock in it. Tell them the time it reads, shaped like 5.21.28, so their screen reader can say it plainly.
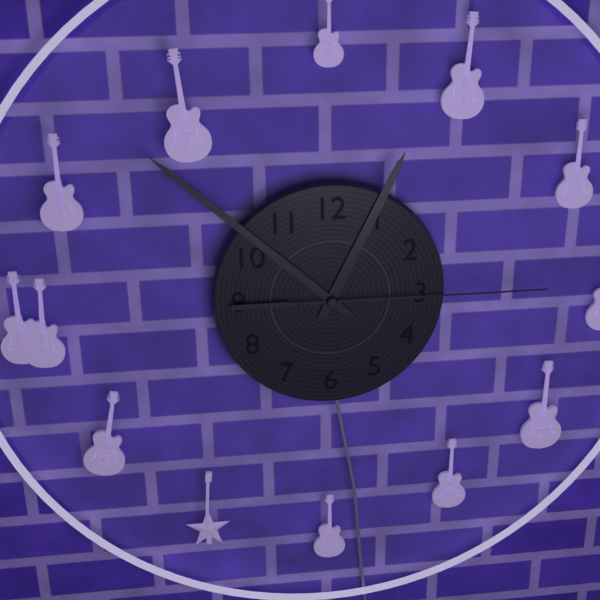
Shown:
12.52.15
